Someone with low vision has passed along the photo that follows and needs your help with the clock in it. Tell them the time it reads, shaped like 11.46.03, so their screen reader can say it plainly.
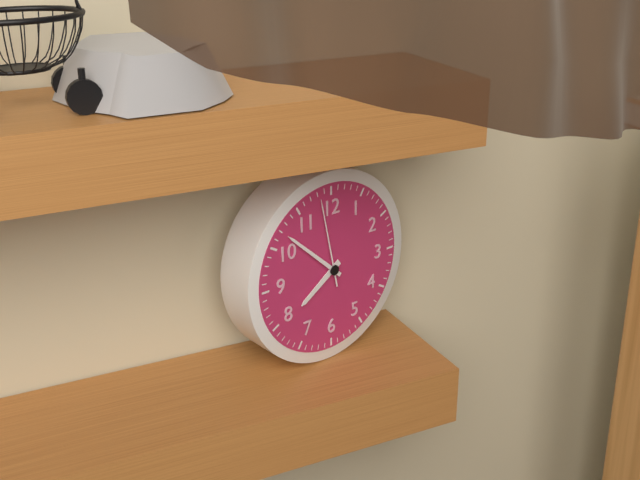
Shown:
7.52.58
